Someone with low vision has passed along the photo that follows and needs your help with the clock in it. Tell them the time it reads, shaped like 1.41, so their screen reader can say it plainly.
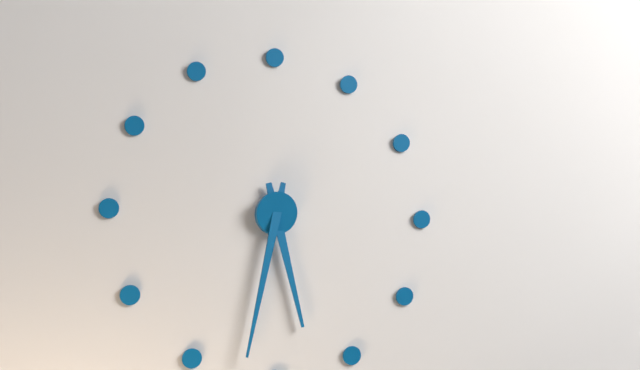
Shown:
5.32
